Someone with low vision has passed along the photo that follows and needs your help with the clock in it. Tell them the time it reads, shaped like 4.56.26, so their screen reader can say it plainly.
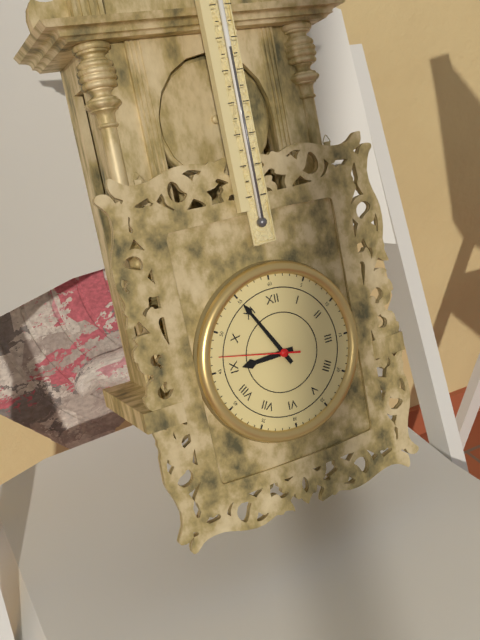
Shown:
8.55.47
